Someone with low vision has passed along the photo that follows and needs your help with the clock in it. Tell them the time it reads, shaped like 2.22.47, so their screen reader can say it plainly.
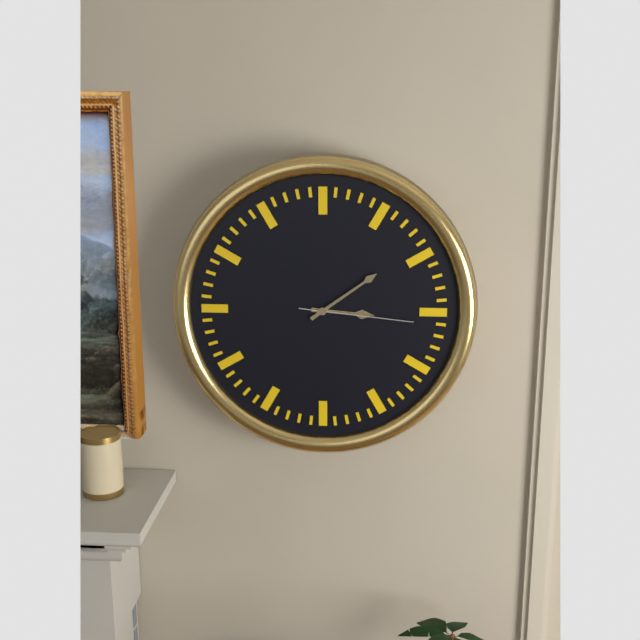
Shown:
3.09.16
